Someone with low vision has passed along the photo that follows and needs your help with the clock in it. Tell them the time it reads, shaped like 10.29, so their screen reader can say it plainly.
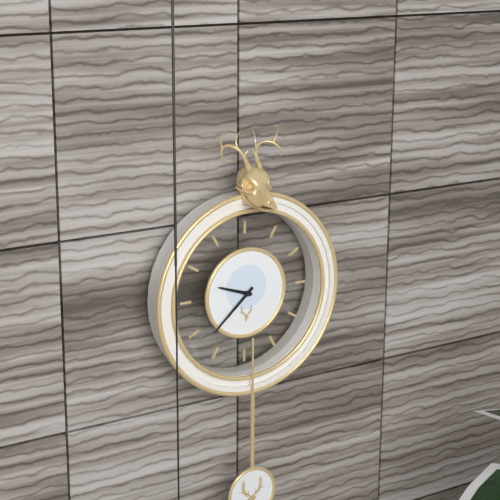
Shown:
9.38
